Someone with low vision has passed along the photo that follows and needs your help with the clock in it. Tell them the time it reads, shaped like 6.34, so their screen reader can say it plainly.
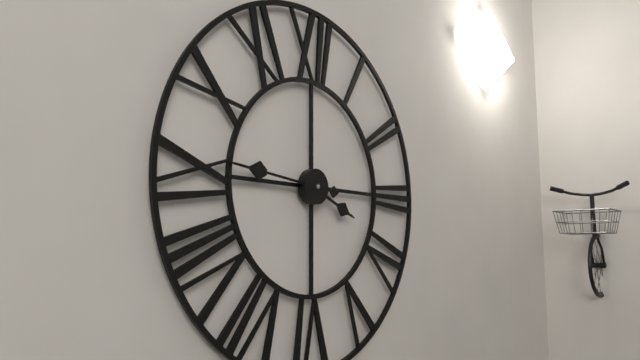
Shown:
3.46
